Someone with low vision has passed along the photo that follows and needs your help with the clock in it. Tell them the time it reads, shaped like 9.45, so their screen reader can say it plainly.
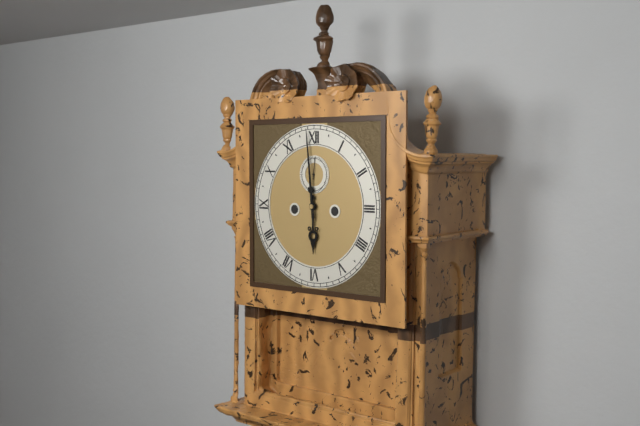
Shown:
5.59
